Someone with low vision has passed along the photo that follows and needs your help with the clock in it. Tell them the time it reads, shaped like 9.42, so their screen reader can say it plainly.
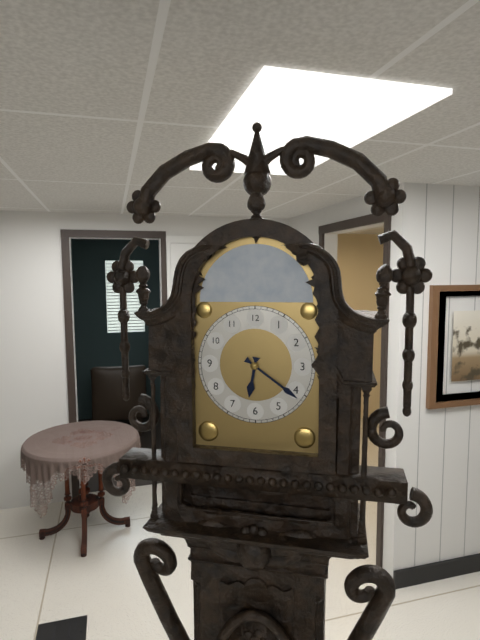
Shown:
6.21
